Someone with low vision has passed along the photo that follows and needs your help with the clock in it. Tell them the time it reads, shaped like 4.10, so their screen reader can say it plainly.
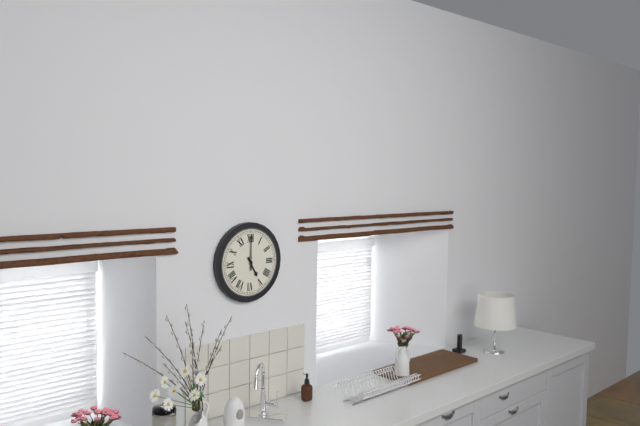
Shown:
5.00
